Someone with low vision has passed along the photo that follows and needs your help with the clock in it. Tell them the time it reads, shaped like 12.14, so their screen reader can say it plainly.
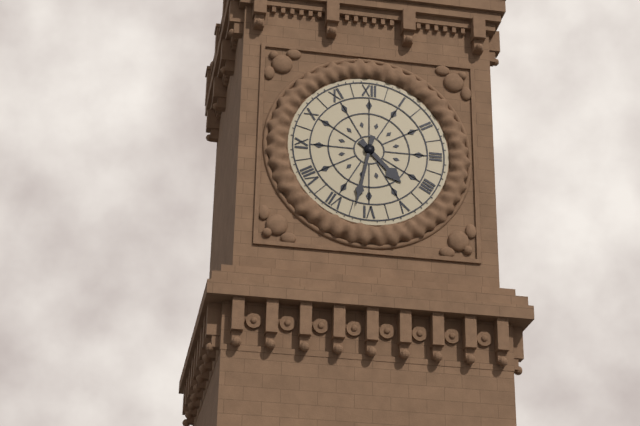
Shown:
4.32
